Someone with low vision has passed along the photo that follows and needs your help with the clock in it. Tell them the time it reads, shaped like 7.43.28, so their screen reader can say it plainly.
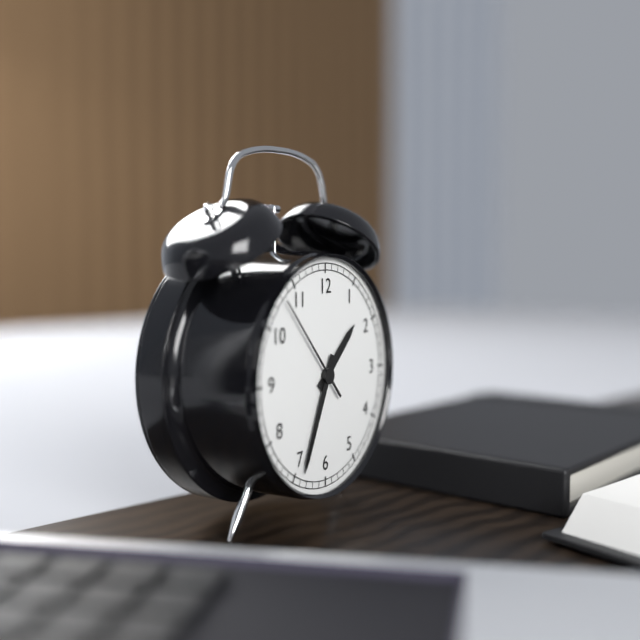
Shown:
1.34.53
